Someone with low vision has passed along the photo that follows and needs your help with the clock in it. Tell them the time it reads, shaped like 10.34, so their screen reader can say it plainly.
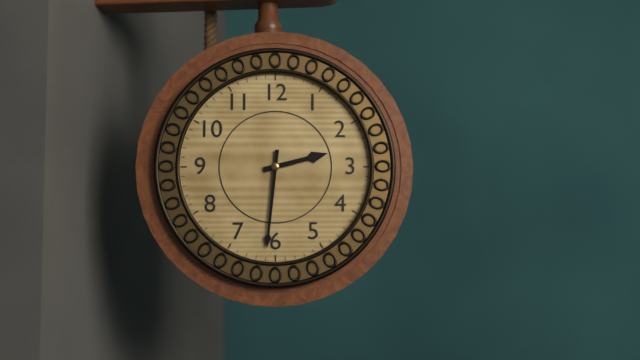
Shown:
2.31
